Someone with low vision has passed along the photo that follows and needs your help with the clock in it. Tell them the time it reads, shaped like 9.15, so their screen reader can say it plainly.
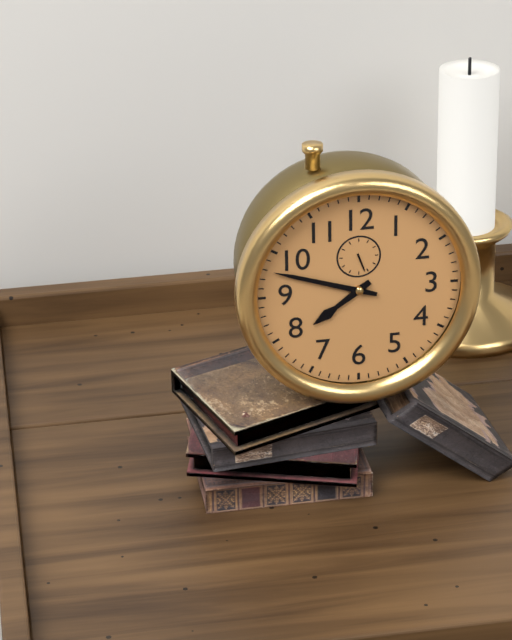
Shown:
7.48
